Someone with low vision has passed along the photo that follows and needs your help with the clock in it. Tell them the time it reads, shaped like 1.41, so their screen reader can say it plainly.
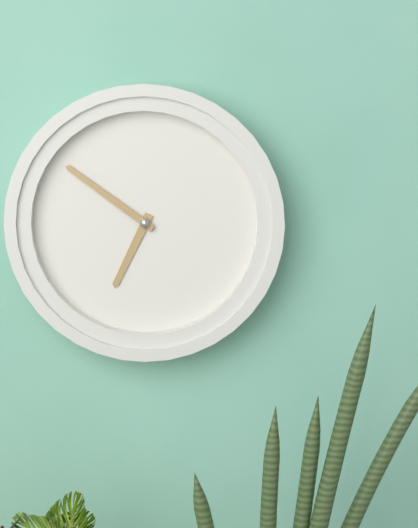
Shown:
6.51
